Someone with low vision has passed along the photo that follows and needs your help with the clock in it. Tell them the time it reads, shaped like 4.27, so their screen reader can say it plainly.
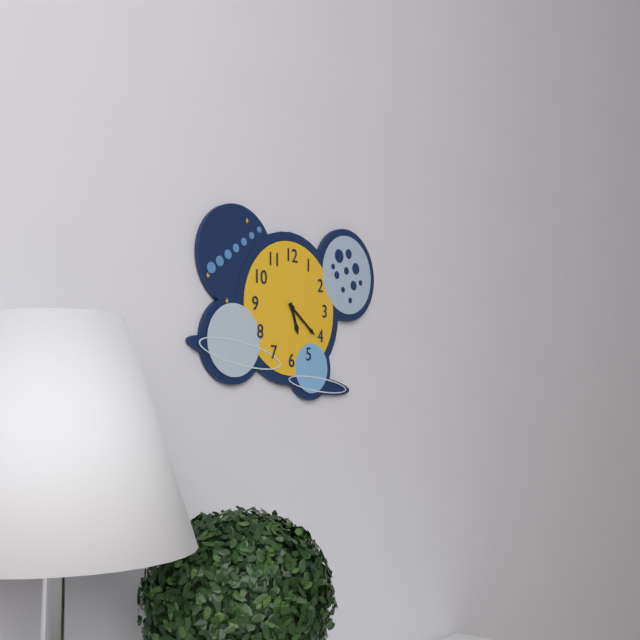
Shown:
5.21
